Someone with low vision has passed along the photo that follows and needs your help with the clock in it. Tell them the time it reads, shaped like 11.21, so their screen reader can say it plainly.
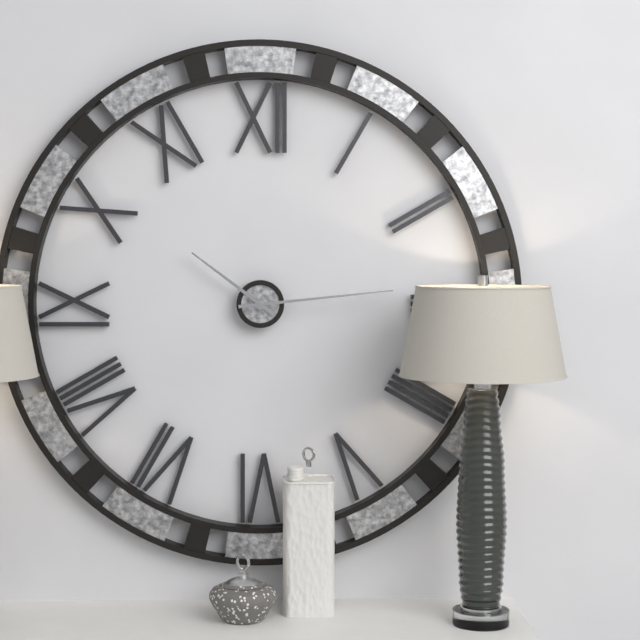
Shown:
10.14
